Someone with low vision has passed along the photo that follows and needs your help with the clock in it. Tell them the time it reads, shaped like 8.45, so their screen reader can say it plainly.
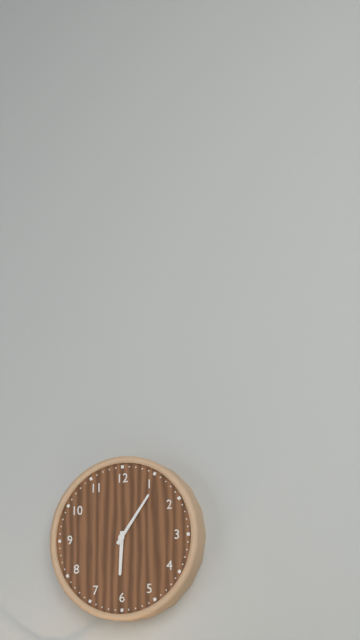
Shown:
6.06
